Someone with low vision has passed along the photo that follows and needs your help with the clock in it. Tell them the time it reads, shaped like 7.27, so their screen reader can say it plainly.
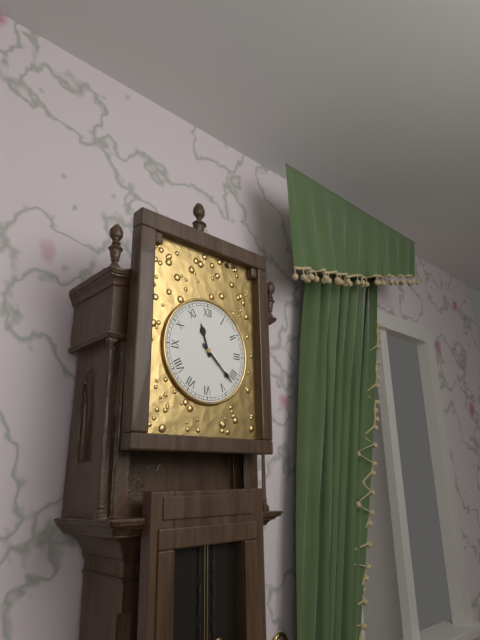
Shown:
11.22
